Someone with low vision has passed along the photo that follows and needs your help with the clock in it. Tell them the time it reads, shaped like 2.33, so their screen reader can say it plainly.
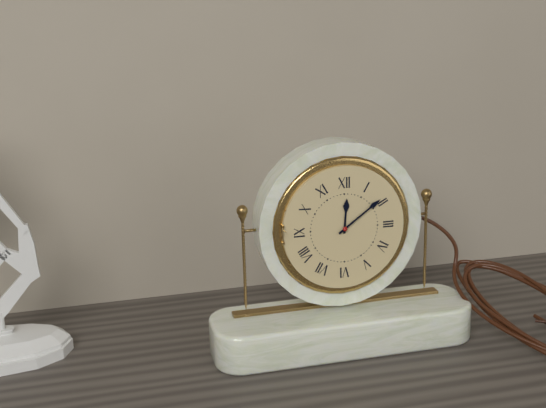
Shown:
12.09
